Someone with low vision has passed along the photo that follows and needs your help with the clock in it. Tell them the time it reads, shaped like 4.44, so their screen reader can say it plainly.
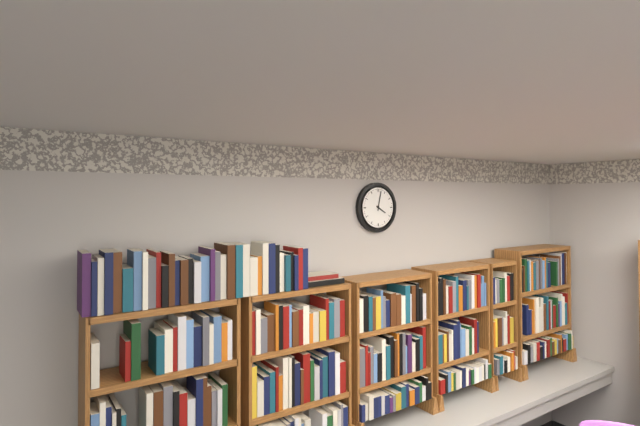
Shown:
4.02
